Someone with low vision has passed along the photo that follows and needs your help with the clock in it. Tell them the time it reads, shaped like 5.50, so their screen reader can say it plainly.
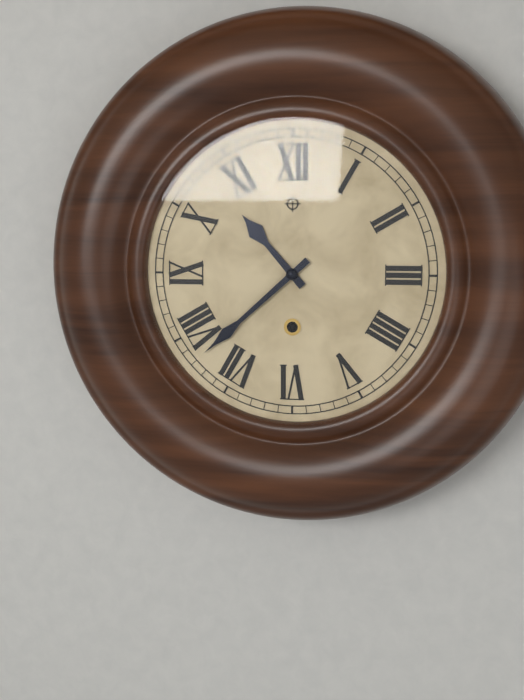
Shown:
10.38
